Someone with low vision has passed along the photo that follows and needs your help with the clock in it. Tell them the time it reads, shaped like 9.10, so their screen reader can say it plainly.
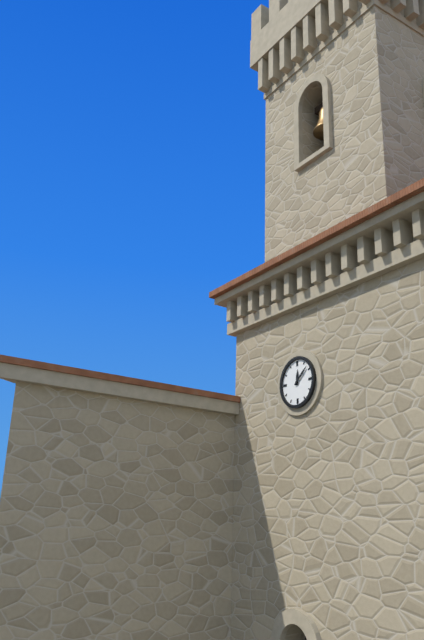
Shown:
12.08
